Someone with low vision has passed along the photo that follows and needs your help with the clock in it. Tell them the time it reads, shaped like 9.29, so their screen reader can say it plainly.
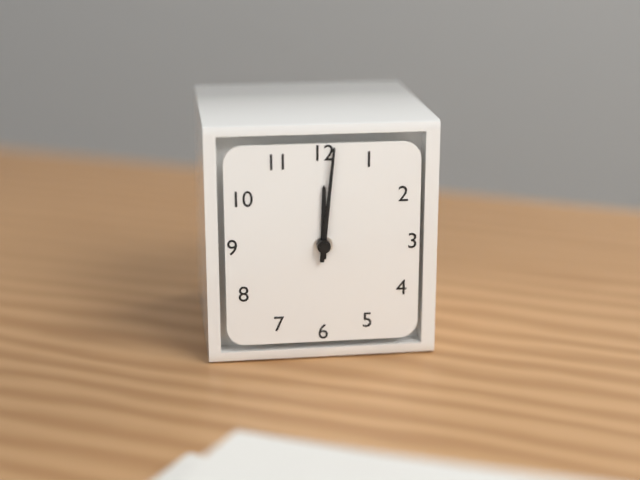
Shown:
12.01
